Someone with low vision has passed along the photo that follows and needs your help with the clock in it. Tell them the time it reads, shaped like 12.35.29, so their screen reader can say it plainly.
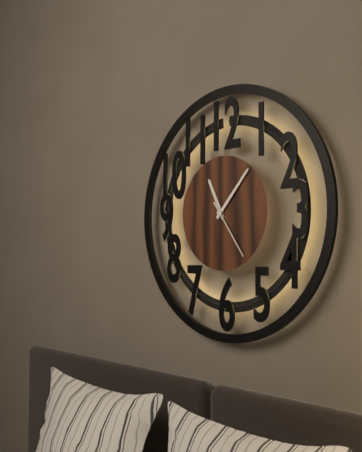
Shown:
11.07.24
